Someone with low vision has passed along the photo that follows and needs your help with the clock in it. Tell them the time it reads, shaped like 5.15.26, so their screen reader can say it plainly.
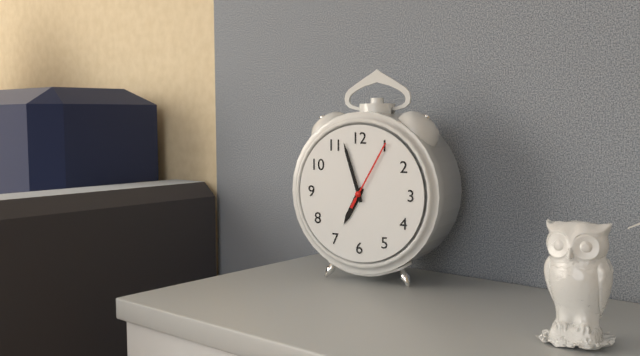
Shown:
6.57.05
